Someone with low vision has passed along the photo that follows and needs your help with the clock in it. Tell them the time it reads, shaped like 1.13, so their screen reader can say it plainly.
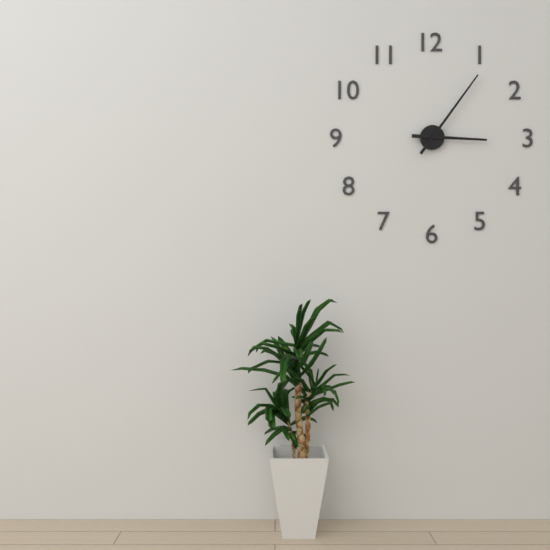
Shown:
3.06
